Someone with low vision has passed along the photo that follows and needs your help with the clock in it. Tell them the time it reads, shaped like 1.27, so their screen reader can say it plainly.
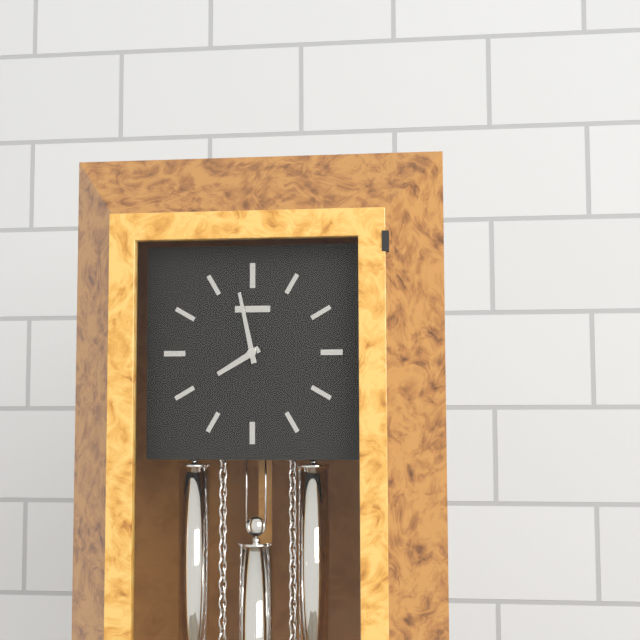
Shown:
7.58
